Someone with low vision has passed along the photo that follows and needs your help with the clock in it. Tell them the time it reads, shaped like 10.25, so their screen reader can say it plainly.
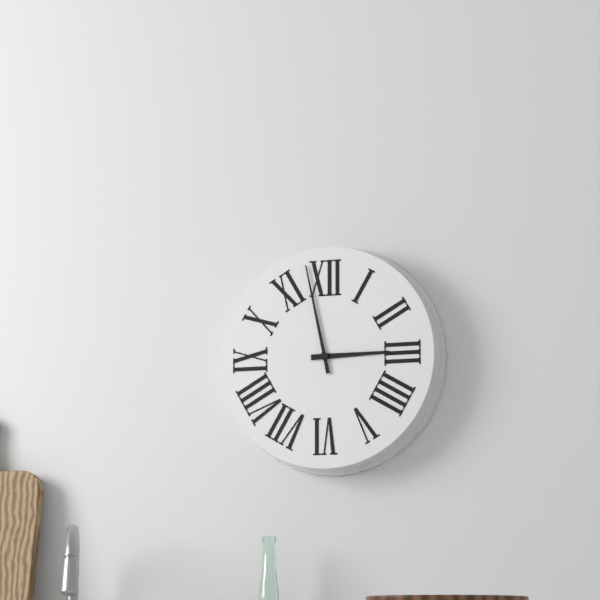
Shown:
2.58
